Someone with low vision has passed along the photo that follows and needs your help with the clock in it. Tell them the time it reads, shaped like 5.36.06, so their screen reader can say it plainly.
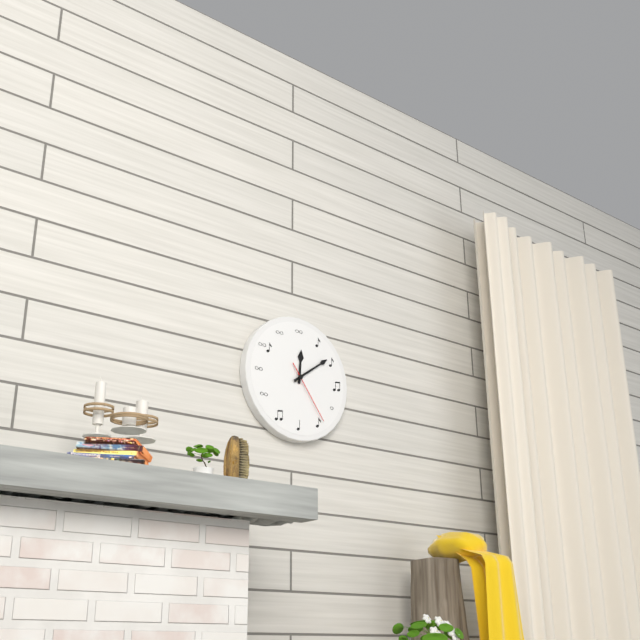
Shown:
12.09.24
